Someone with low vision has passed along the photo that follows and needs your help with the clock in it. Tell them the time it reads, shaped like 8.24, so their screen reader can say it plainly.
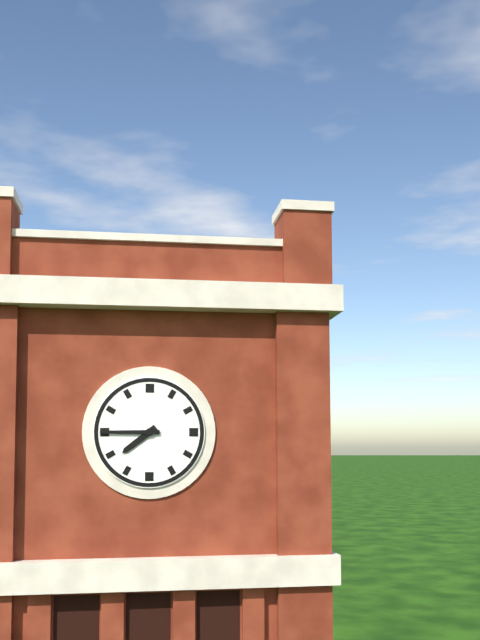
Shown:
7.45
